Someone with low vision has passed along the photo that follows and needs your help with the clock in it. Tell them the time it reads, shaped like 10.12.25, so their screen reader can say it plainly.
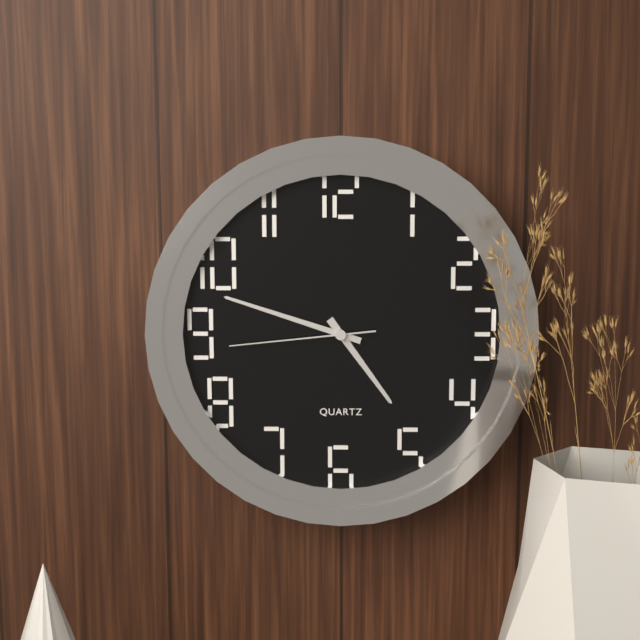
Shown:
4.48.44
